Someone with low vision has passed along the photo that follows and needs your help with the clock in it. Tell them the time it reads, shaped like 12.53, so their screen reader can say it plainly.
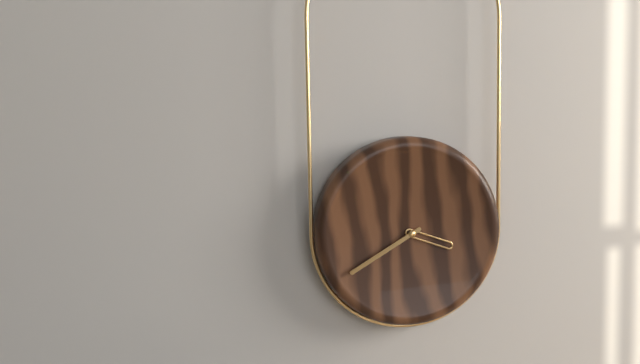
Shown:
3.40
